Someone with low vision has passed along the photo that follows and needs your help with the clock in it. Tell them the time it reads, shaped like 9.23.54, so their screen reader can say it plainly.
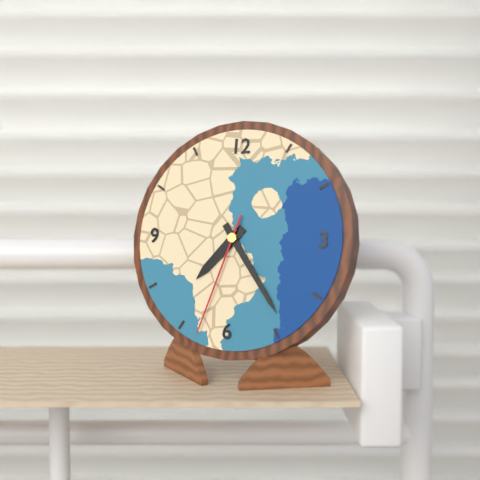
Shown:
7.24.33
